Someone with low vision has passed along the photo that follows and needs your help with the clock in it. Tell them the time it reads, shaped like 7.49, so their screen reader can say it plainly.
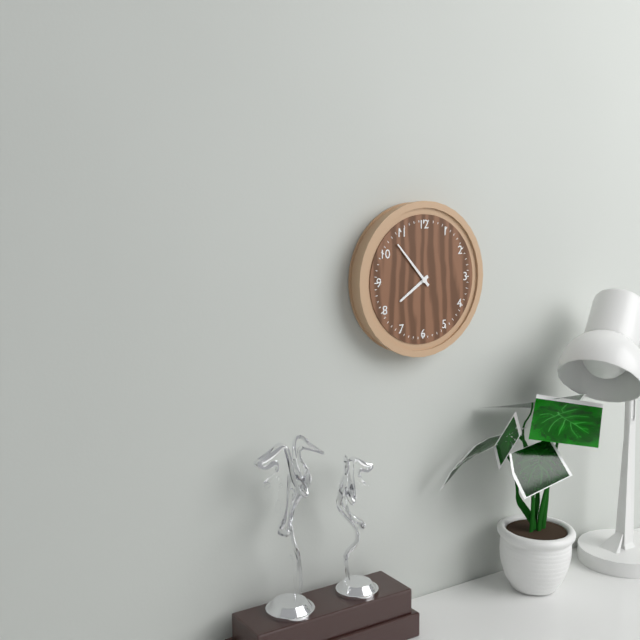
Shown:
7.53
